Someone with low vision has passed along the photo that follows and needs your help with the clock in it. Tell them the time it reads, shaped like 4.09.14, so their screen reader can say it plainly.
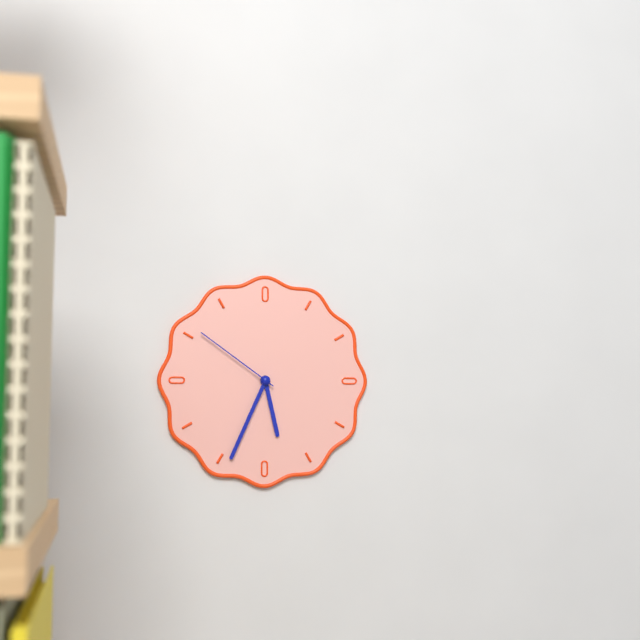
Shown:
5.34.51
